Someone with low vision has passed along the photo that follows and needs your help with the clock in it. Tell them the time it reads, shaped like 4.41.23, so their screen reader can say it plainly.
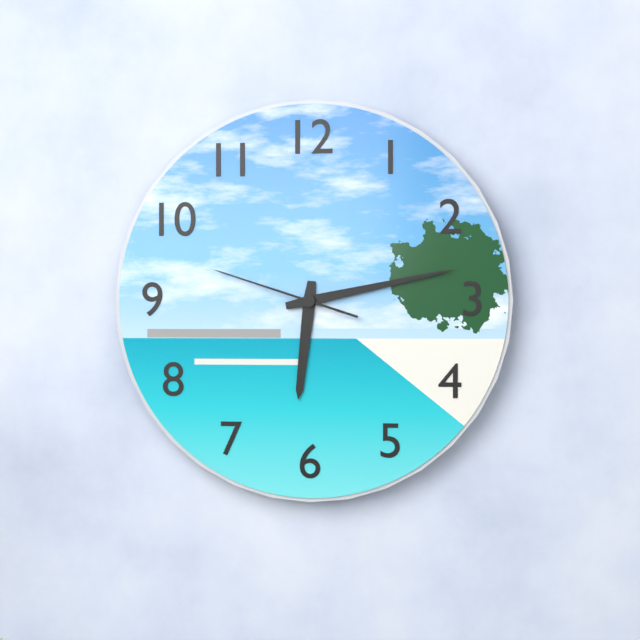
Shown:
6.13.48
